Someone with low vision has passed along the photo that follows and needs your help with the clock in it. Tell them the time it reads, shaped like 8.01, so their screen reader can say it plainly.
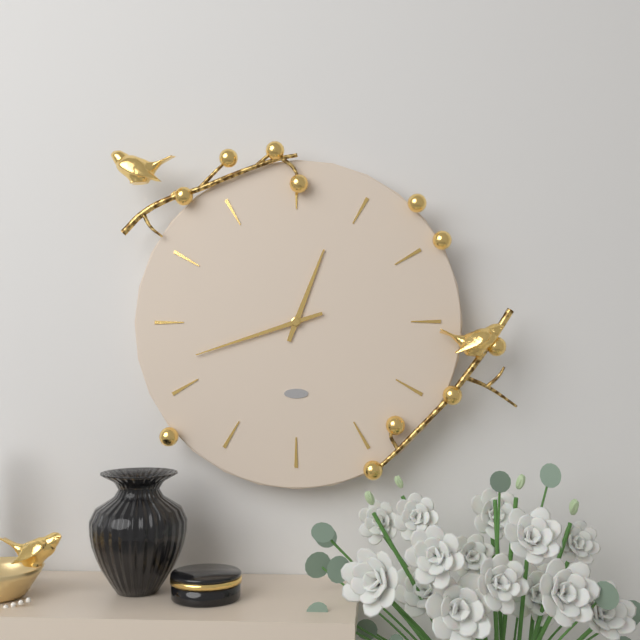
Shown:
12.42
